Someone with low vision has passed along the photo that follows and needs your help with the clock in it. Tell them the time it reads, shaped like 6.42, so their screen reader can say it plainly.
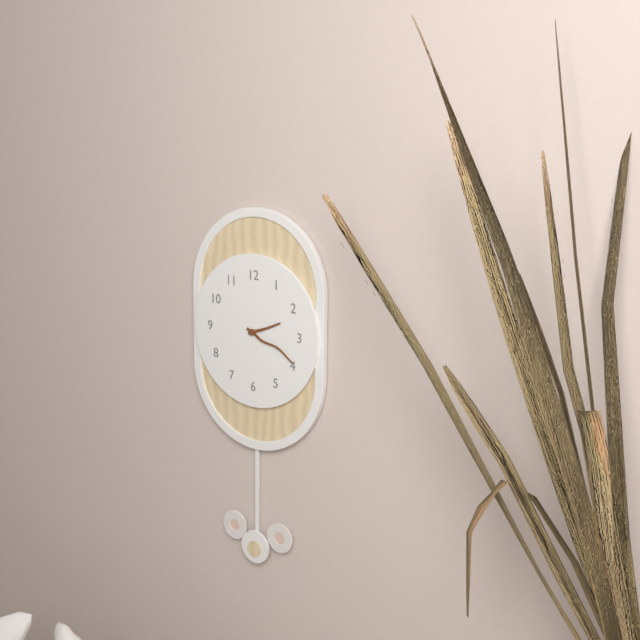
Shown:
2.19
